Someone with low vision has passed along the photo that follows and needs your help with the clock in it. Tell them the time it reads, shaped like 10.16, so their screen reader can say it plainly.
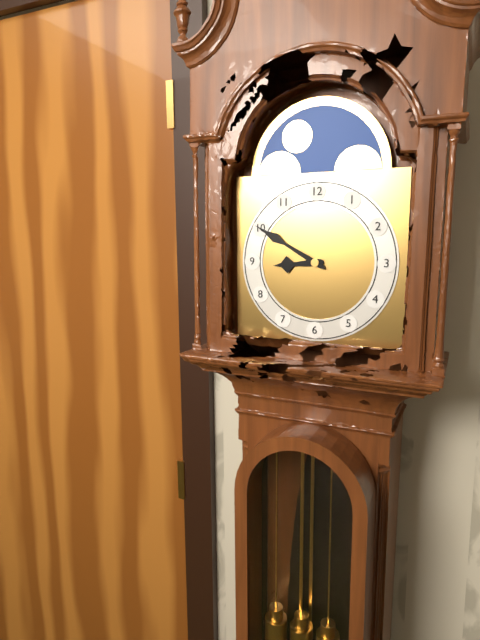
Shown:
8.50
